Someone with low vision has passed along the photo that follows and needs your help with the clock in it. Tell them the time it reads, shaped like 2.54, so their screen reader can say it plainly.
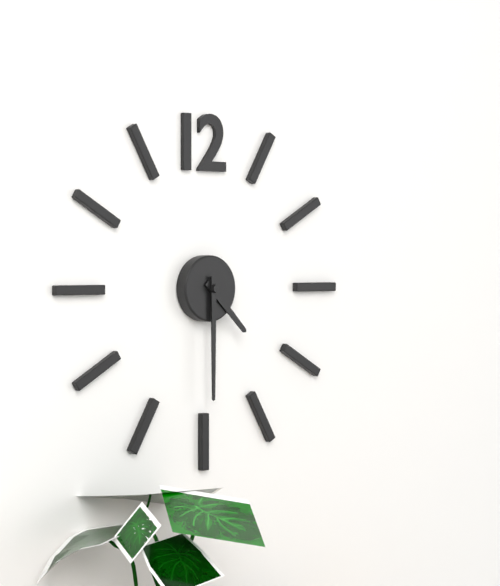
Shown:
4.30
